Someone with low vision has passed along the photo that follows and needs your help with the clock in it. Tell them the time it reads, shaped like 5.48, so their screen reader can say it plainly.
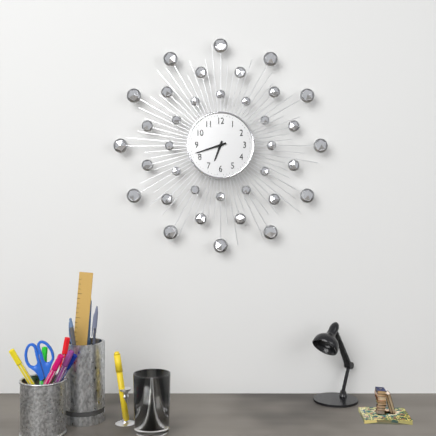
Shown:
6.42
